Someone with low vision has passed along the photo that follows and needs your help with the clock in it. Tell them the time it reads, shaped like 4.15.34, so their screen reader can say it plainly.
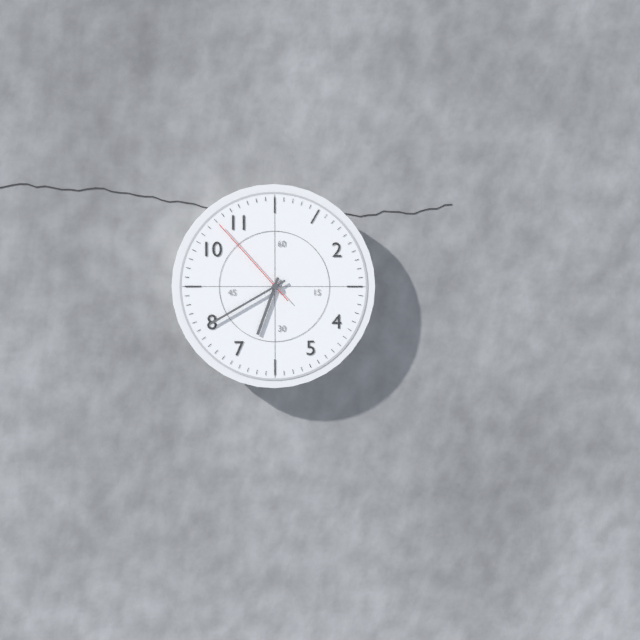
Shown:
6.40.53
